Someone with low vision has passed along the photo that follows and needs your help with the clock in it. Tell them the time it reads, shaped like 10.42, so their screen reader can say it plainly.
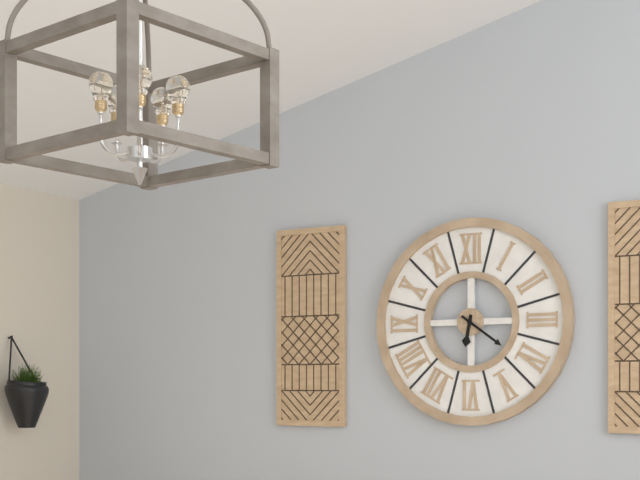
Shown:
6.21
